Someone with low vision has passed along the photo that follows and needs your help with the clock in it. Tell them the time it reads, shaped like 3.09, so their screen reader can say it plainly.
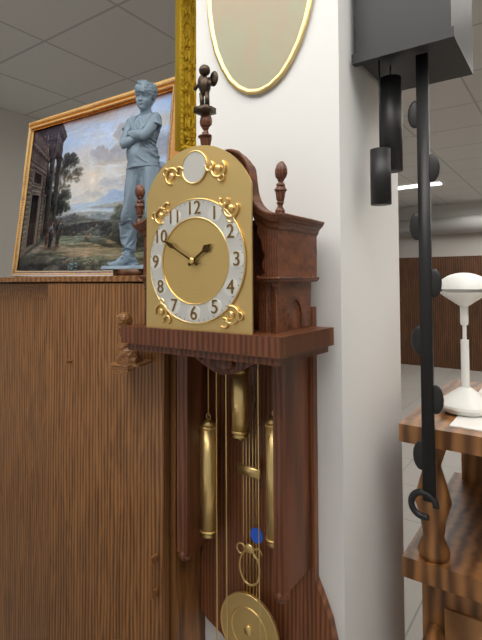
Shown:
1.50
